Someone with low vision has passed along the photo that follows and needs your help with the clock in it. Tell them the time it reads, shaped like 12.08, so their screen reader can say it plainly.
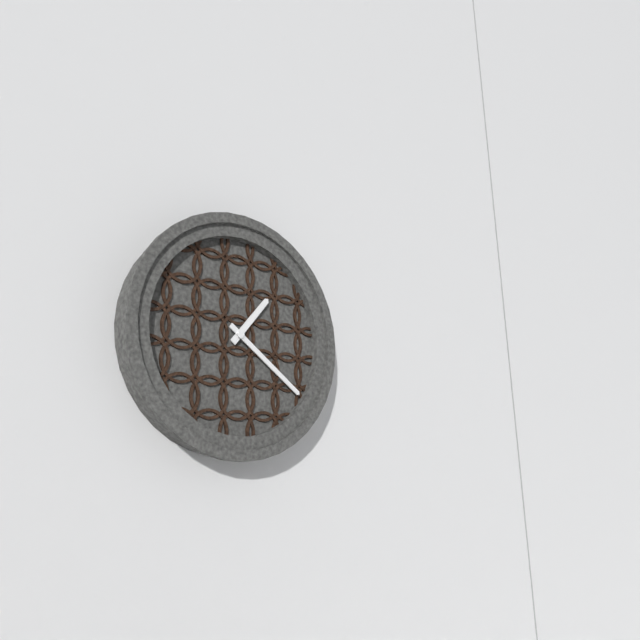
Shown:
1.21
